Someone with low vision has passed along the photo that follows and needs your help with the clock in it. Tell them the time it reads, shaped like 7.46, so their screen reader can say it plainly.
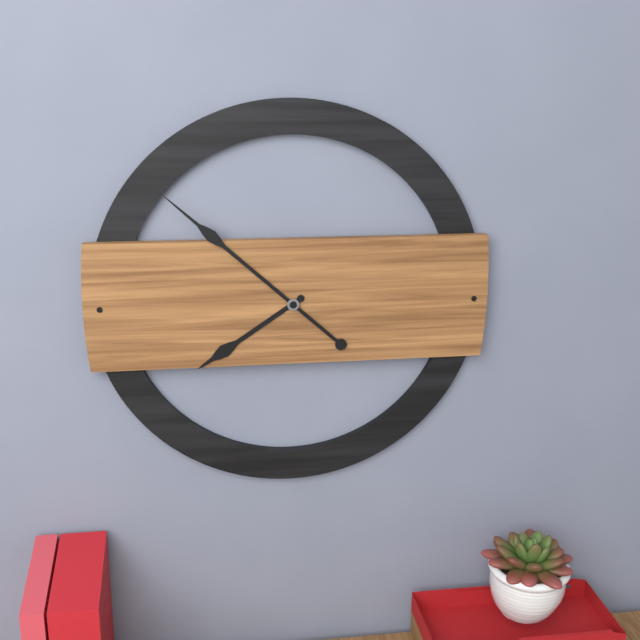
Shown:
7.52
